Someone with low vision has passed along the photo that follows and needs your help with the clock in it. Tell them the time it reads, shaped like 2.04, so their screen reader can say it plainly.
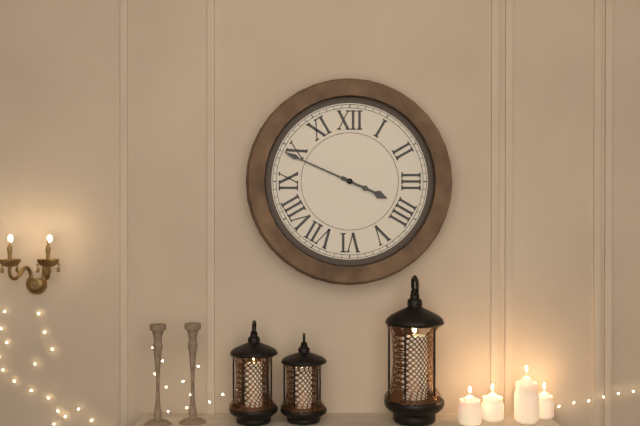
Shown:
3.49
